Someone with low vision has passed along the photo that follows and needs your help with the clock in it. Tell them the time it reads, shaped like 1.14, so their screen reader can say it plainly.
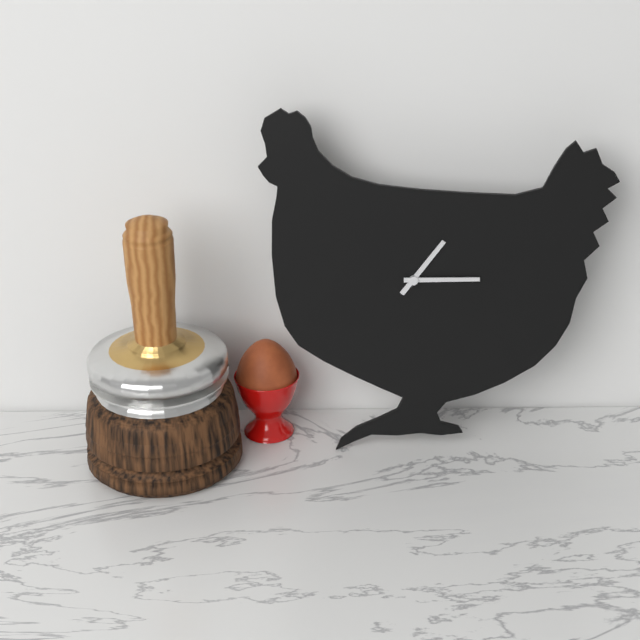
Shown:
1.15
